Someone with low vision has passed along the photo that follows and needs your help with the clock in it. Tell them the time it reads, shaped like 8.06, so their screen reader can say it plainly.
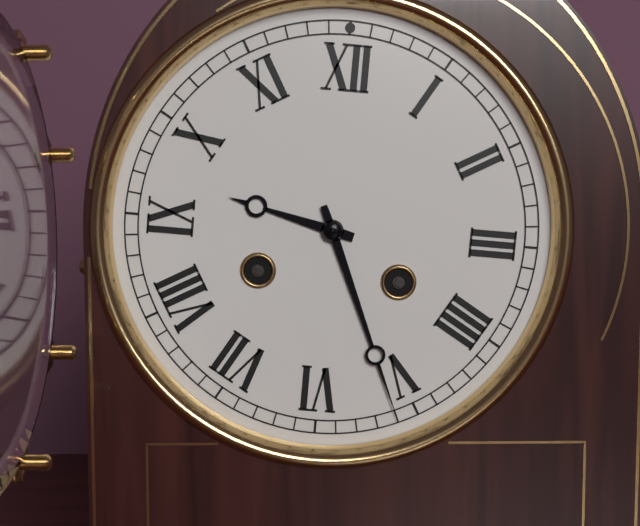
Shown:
9.26
